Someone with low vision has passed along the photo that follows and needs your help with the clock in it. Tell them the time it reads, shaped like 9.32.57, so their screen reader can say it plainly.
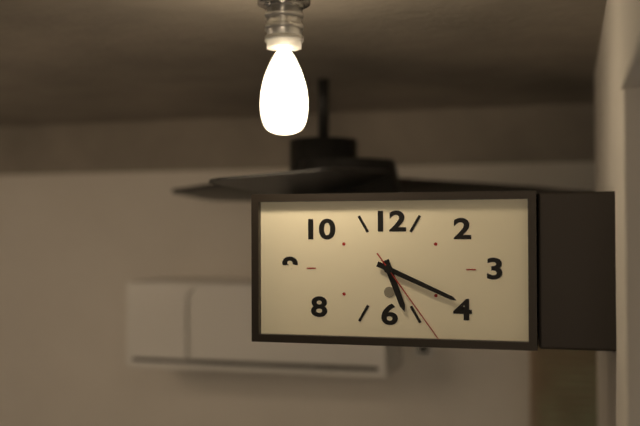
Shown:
5.19.24
